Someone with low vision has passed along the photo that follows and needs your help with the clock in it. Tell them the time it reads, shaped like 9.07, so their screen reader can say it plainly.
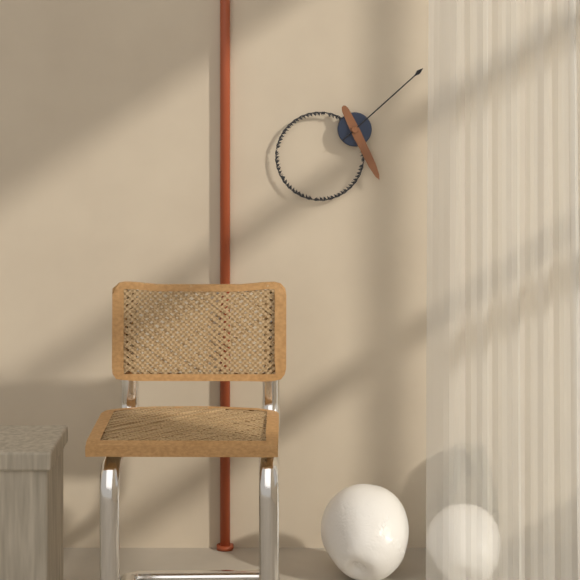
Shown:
5.08
